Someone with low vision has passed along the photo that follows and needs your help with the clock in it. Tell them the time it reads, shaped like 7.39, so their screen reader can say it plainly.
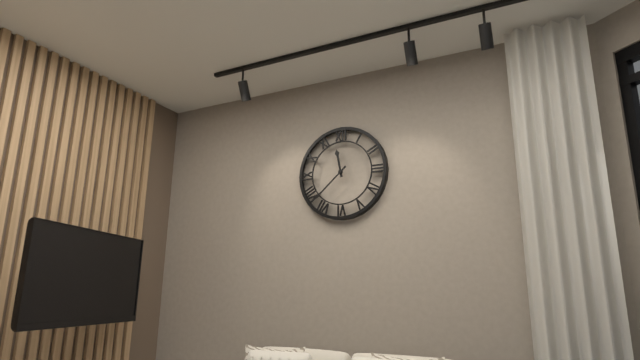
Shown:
11.38
